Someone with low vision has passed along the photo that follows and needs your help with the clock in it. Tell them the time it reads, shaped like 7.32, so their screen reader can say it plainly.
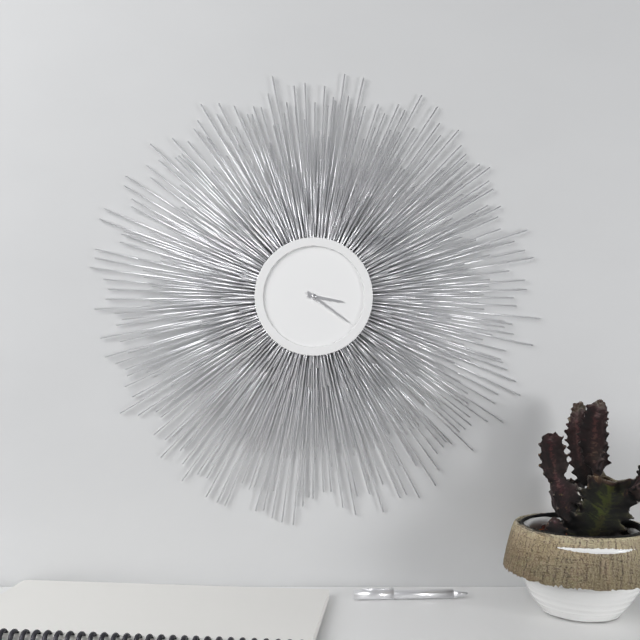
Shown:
3.21
